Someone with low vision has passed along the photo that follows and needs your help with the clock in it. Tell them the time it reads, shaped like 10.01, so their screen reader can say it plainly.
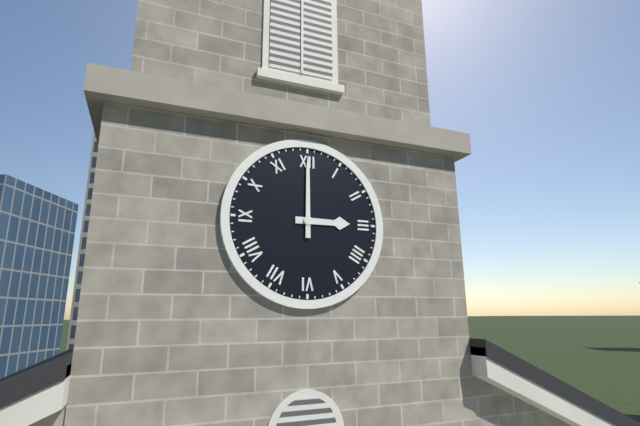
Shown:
3.00
